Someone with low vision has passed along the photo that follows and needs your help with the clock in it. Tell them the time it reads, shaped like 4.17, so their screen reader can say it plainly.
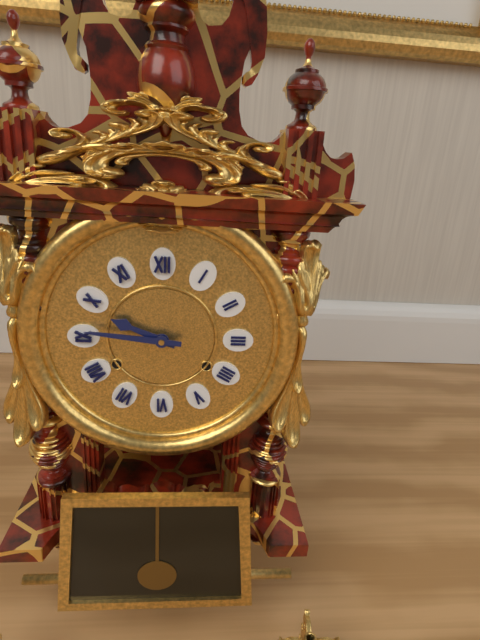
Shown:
9.46
